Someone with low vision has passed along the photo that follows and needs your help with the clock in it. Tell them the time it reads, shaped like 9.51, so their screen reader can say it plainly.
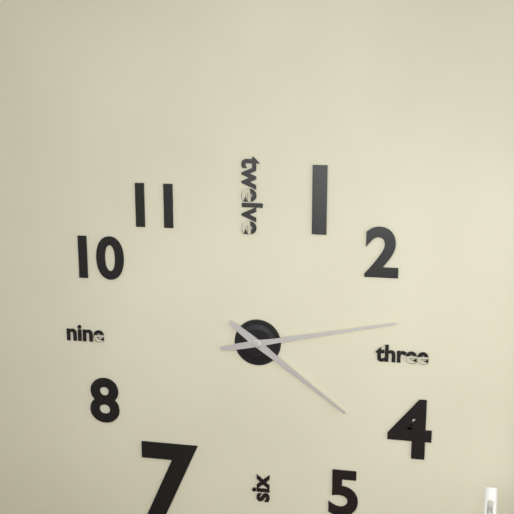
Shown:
4.13
